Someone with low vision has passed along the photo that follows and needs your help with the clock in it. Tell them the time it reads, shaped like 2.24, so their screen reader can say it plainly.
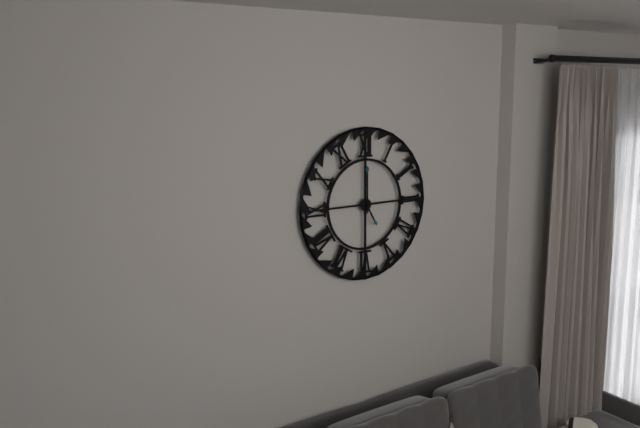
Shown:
5.00
